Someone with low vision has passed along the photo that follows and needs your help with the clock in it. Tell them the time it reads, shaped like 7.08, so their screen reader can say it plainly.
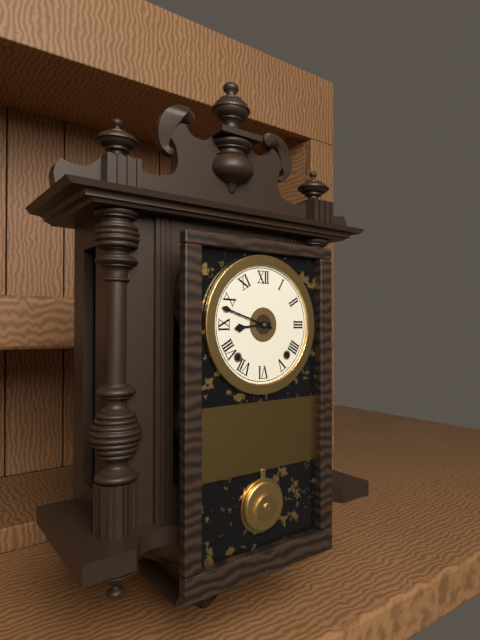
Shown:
8.48
